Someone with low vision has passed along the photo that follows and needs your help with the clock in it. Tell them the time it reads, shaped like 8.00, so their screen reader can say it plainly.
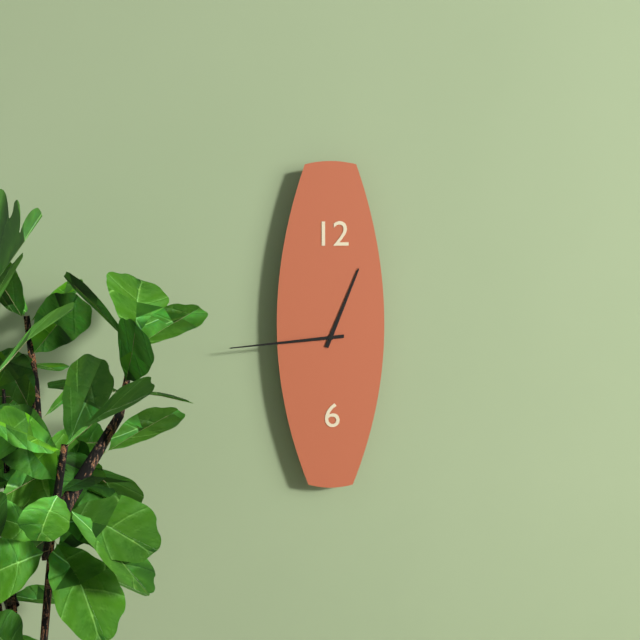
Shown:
12.44
